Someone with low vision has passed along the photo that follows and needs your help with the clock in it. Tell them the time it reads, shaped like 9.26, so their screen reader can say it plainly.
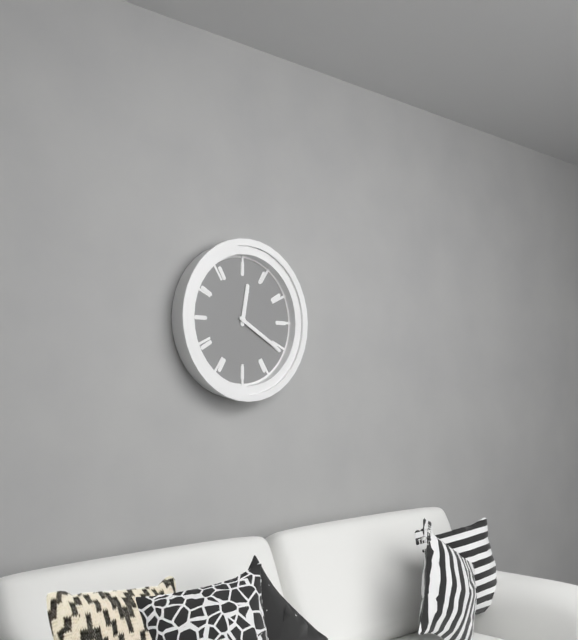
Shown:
12.20
